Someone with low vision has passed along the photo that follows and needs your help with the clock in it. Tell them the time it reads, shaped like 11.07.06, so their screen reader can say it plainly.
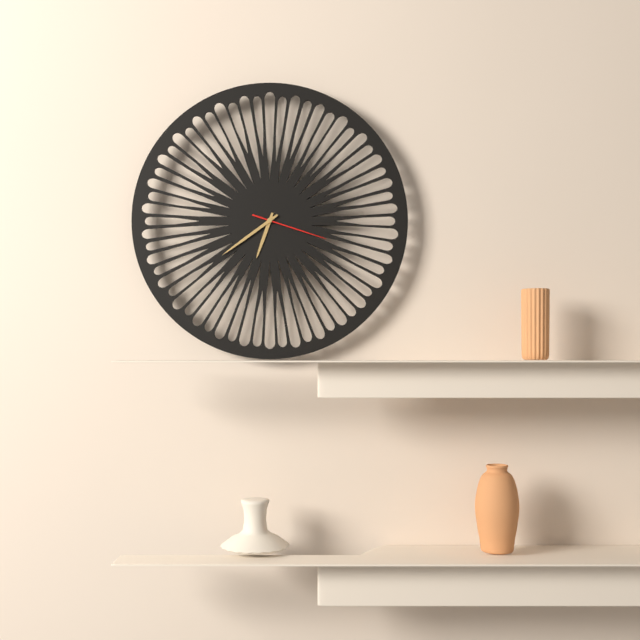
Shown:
6.39.18
